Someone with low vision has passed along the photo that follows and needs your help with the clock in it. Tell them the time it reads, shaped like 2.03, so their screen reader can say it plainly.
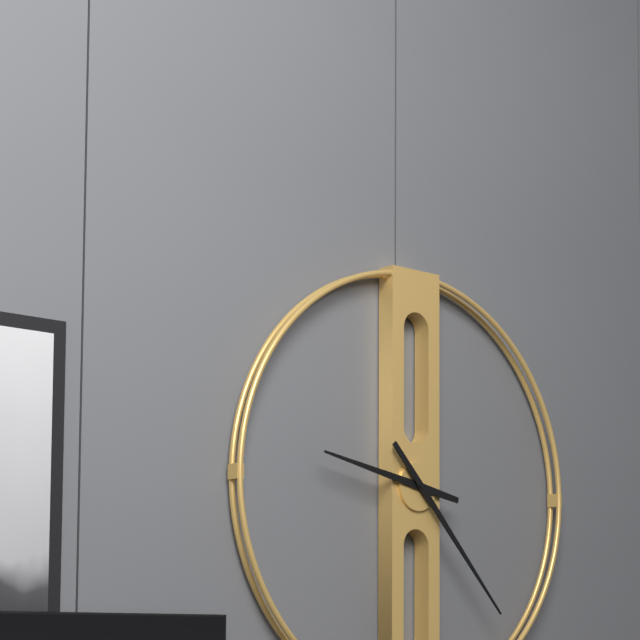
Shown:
9.23
